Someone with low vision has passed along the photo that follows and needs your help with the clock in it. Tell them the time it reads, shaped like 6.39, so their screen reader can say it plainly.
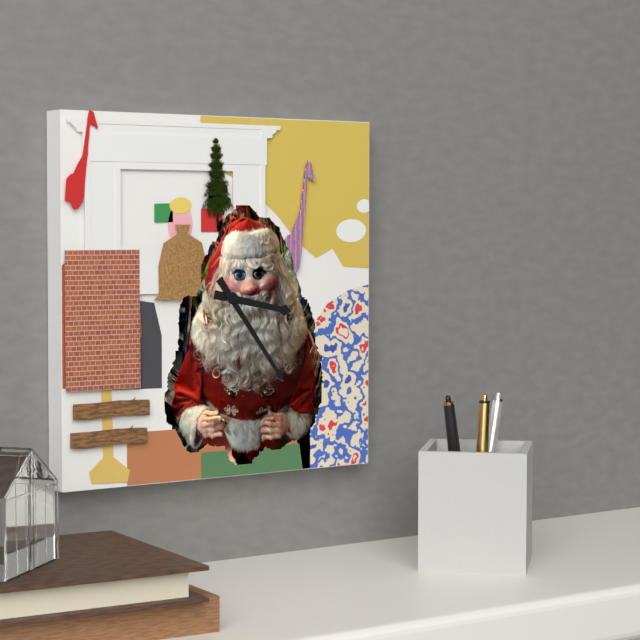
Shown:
3.24
